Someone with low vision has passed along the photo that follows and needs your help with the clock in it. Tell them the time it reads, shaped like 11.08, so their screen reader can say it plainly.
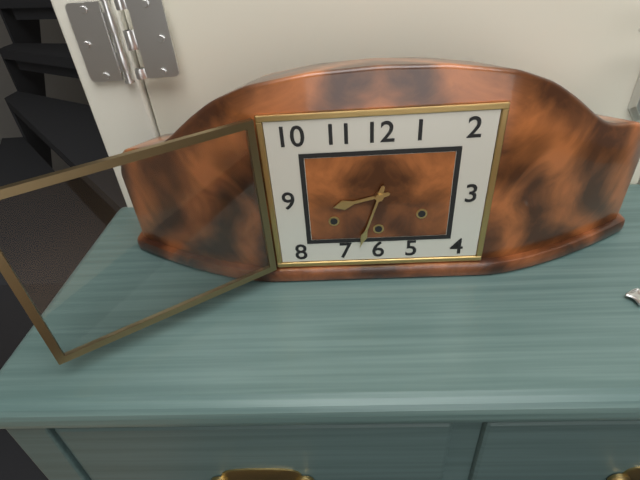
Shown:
8.33
